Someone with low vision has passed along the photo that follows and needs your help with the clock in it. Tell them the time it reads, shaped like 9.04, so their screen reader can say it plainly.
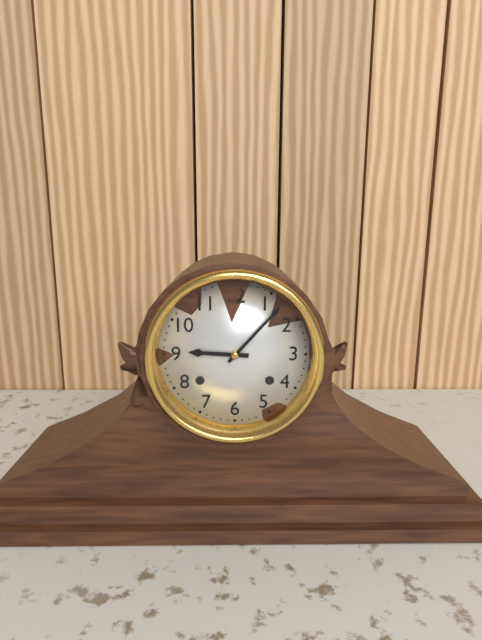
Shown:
9.07
